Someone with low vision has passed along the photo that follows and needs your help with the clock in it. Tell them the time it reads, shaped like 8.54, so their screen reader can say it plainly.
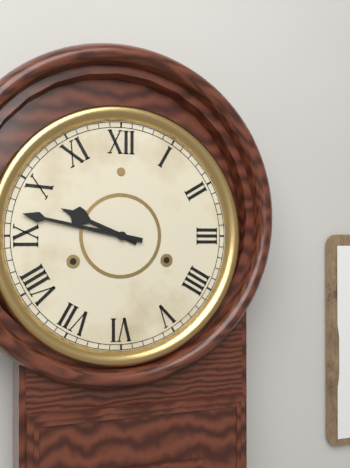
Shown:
9.47
